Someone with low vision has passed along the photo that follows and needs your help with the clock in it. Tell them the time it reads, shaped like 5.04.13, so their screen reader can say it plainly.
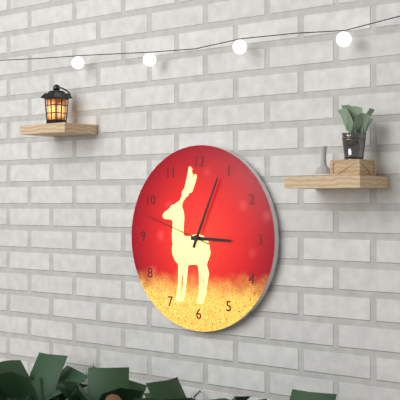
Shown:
3.04.48
